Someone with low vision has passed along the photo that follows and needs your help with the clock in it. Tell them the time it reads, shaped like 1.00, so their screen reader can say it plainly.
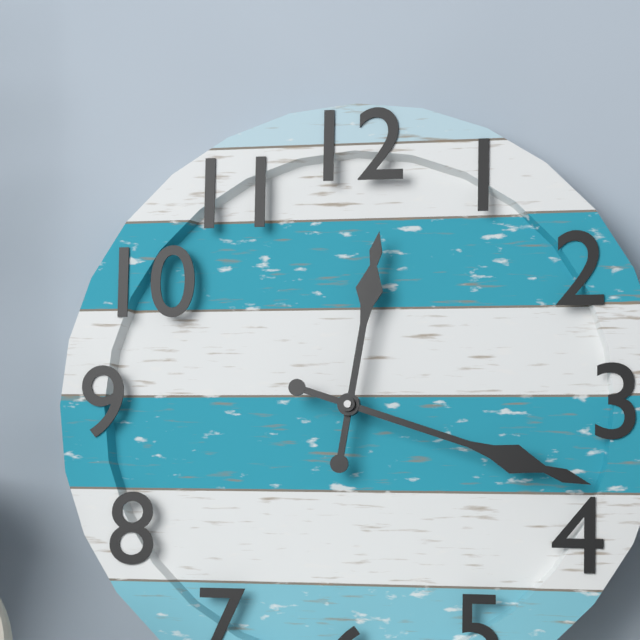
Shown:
12.18
